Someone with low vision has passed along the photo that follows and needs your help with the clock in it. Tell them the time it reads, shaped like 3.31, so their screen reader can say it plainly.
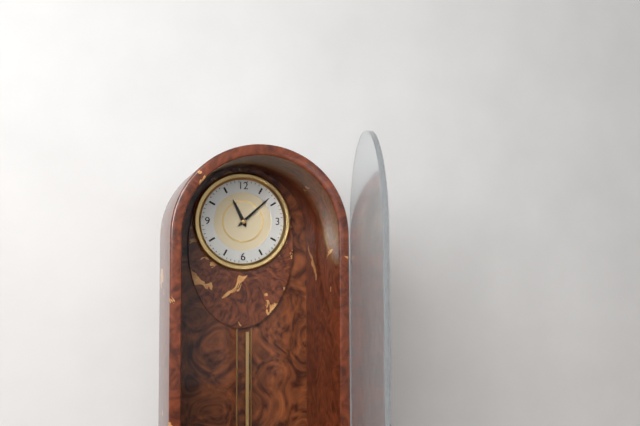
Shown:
11.08
